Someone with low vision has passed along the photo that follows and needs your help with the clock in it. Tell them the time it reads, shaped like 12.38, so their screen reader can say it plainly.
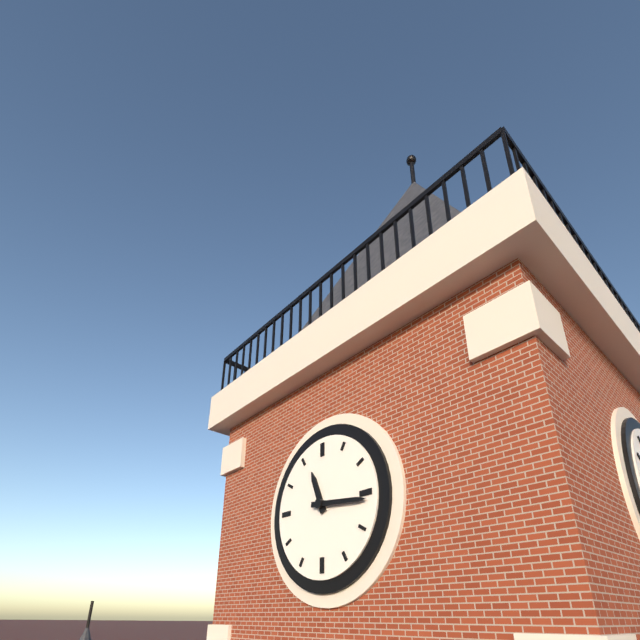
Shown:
11.16
